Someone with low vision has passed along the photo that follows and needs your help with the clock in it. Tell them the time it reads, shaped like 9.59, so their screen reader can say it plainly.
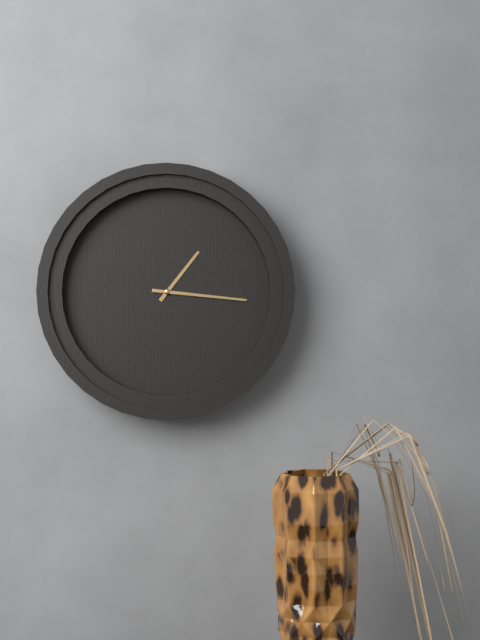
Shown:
1.16
